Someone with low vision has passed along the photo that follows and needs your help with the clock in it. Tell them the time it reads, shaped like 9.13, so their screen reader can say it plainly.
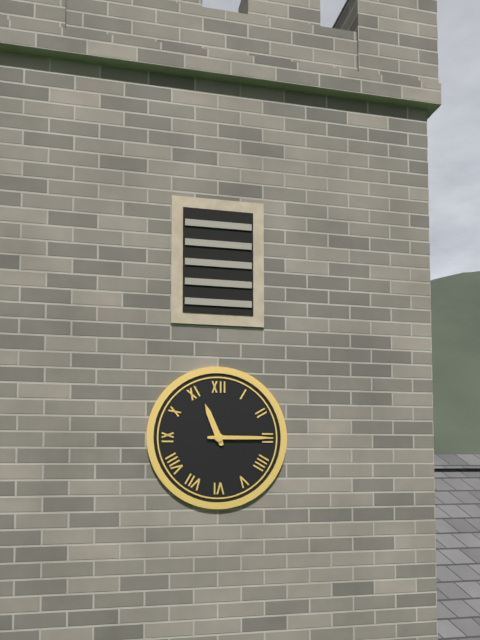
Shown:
11.15
